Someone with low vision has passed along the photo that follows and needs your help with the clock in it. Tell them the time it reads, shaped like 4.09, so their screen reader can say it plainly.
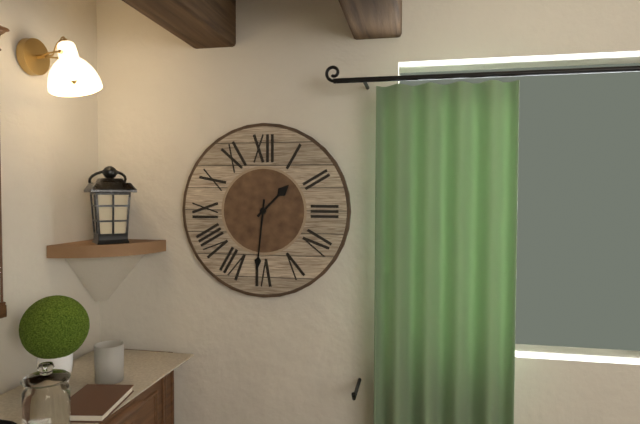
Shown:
1.31
